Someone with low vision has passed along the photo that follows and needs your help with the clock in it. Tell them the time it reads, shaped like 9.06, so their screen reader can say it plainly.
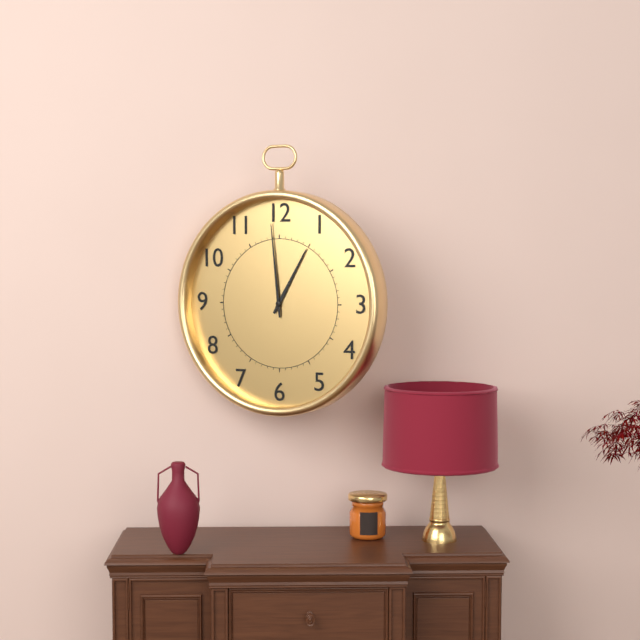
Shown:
12.59
